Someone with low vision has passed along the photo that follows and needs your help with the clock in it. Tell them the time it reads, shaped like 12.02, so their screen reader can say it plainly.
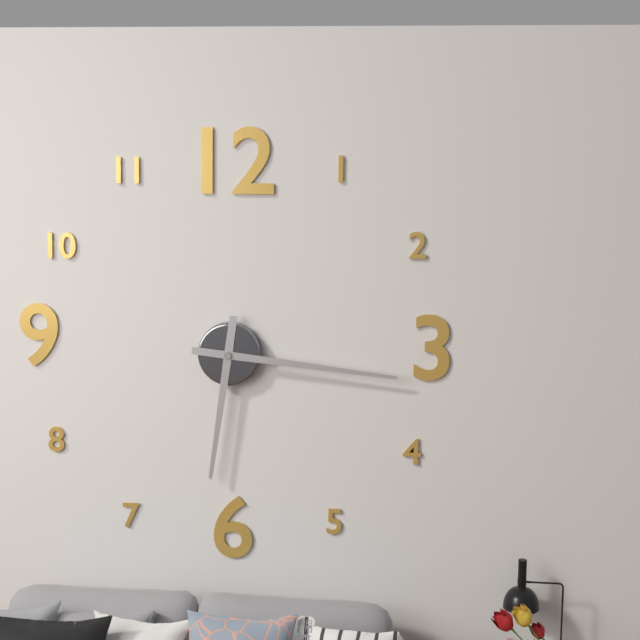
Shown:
6.16
